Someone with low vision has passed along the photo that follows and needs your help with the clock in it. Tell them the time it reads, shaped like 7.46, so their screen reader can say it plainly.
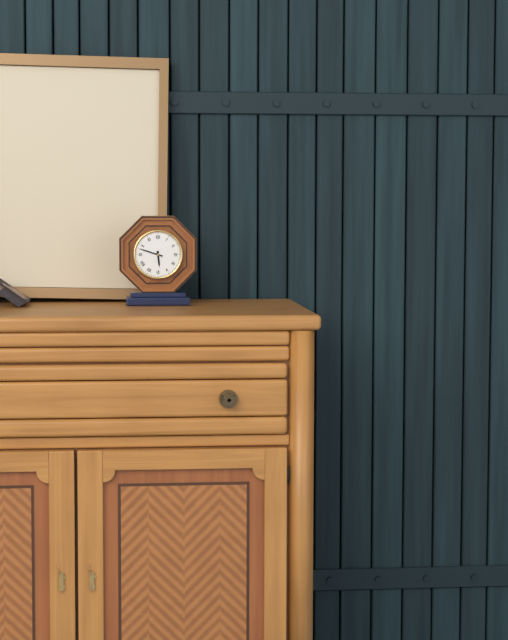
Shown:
5.48
